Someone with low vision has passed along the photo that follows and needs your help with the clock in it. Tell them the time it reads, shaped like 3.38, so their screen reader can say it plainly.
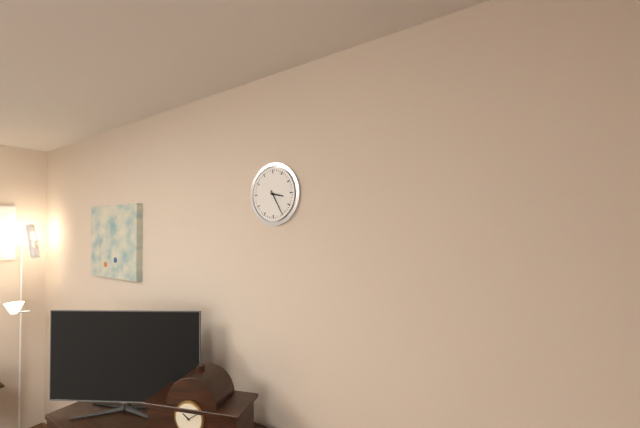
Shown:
3.25
